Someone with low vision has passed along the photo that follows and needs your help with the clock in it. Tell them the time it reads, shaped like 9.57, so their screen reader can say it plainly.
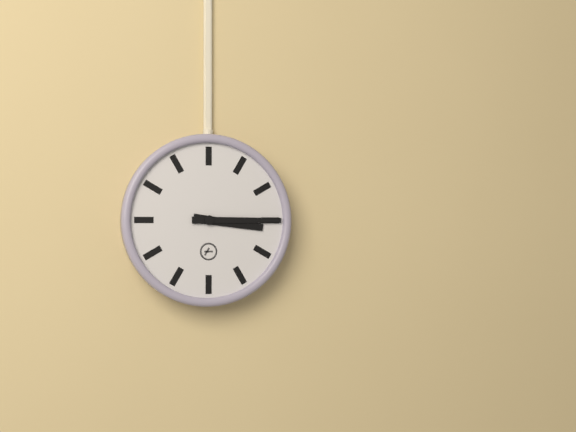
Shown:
3.15
